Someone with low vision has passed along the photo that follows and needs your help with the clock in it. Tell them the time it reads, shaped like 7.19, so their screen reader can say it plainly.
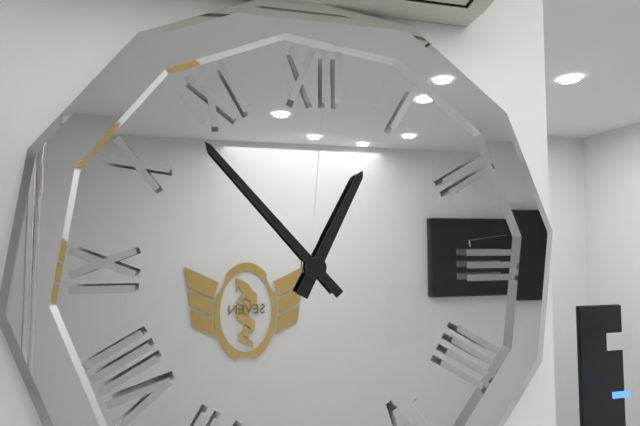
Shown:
12.53
